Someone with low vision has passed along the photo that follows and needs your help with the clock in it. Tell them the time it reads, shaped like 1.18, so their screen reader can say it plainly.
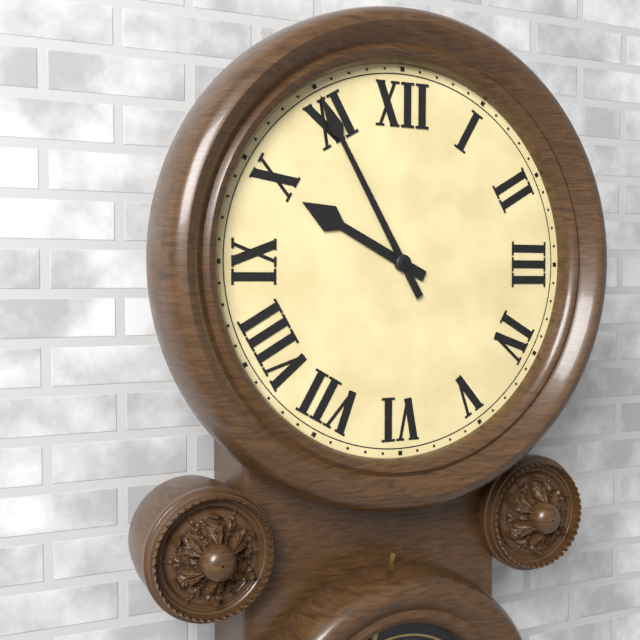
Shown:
9.55
